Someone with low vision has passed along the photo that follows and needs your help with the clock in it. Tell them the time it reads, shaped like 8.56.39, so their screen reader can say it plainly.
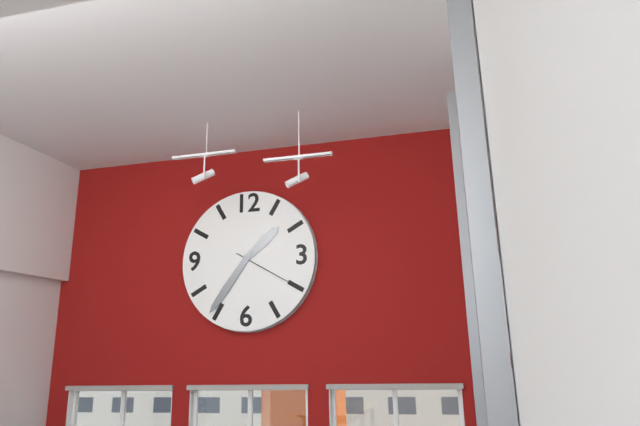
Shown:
1.36.20
